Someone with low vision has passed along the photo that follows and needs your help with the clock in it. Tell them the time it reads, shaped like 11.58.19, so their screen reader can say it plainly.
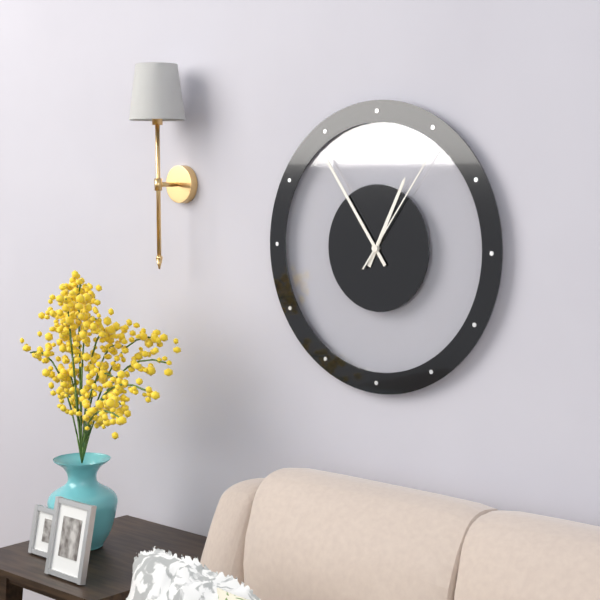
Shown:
12.54.06
